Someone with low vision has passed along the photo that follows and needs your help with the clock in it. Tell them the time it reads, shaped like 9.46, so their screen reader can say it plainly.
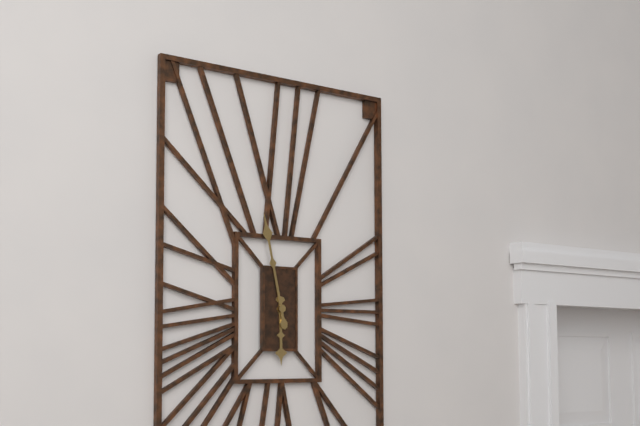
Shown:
5.58
